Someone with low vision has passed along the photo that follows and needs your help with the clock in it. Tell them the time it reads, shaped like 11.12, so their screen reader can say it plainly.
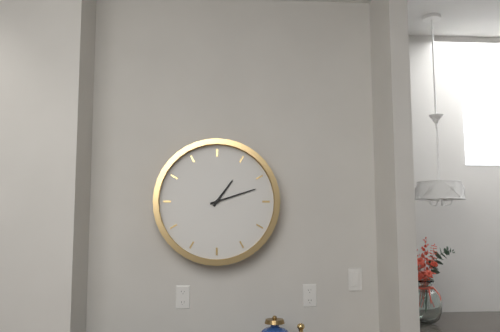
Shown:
1.12
